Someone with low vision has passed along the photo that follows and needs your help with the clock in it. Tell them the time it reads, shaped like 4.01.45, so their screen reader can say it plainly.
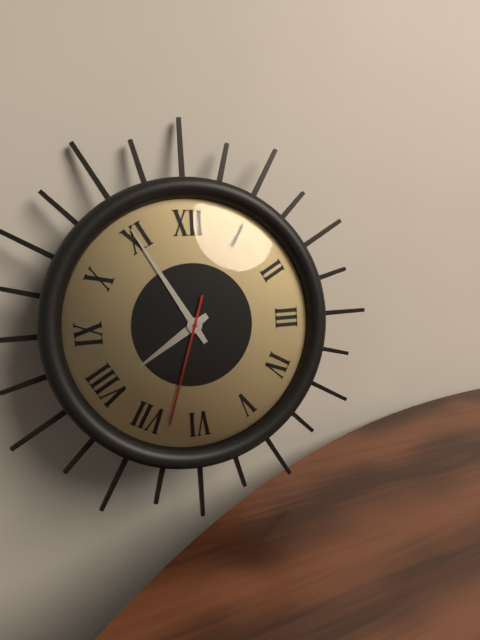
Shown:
7.55.33
